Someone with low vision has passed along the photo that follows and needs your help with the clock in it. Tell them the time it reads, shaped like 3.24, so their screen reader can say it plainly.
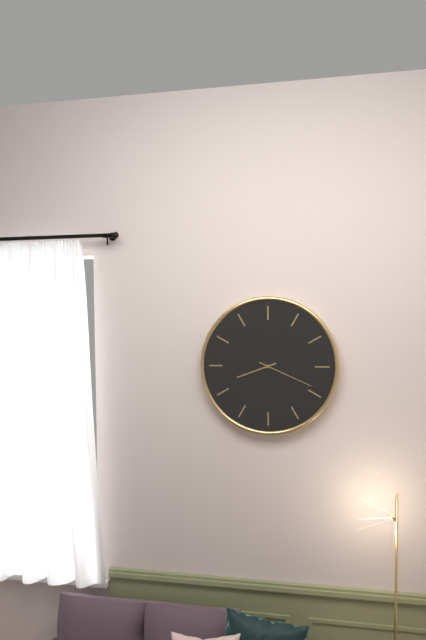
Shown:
8.19
